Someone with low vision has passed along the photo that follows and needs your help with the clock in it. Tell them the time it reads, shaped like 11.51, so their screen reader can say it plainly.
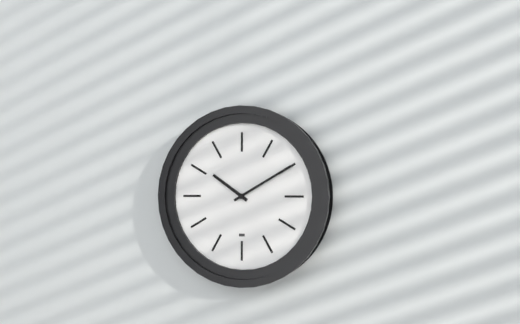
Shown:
10.10
